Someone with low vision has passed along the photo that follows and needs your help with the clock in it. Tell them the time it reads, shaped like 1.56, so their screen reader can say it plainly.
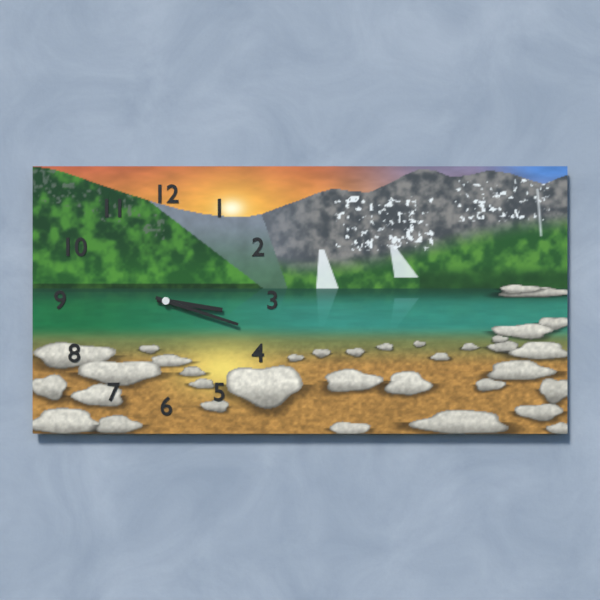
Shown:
3.18
